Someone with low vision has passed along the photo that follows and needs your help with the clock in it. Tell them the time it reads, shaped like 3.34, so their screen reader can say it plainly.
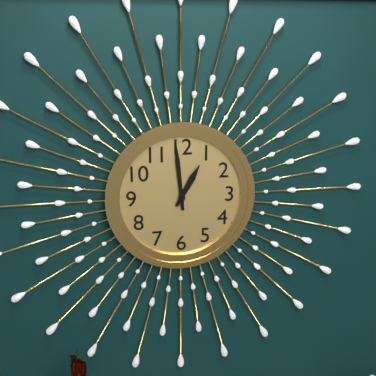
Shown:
12.59
